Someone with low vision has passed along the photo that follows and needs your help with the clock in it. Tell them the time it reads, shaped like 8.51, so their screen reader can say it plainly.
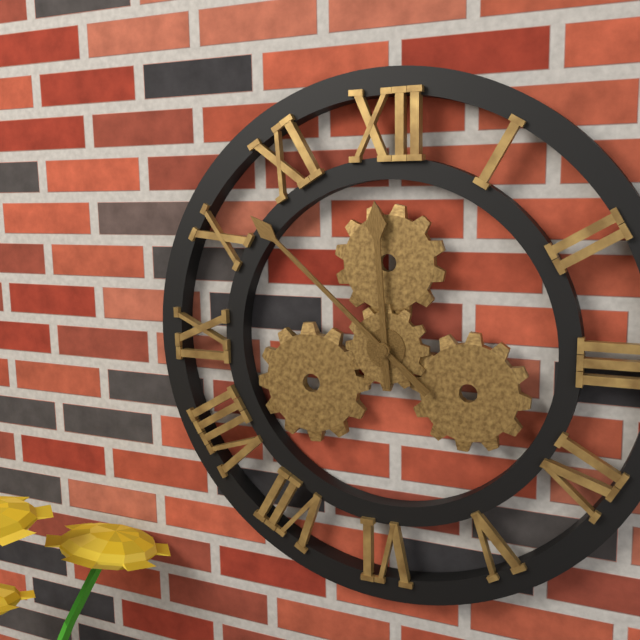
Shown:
11.52
